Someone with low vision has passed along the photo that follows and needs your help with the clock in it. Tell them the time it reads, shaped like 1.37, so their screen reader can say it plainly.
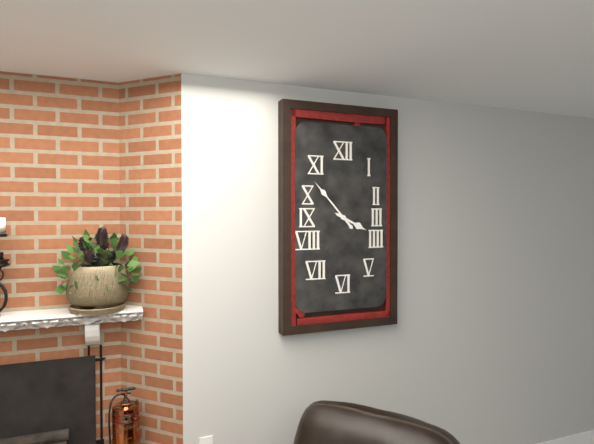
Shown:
3.53
